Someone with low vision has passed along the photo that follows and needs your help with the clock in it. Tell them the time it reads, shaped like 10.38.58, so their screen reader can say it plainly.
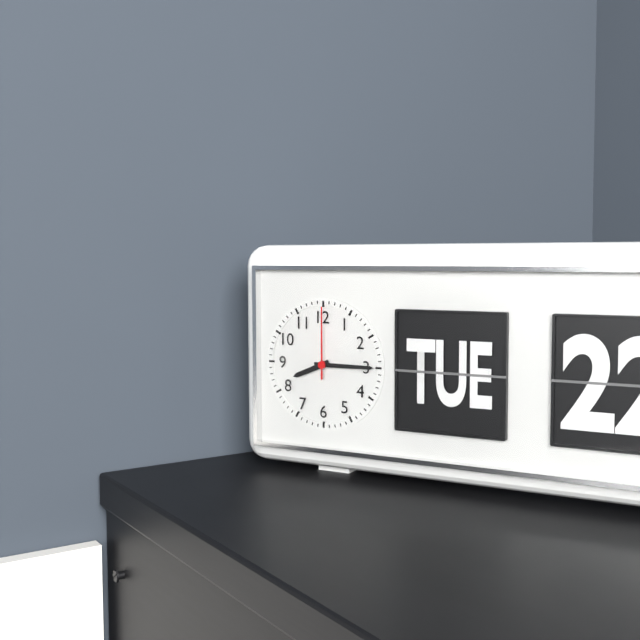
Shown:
8.15.00
